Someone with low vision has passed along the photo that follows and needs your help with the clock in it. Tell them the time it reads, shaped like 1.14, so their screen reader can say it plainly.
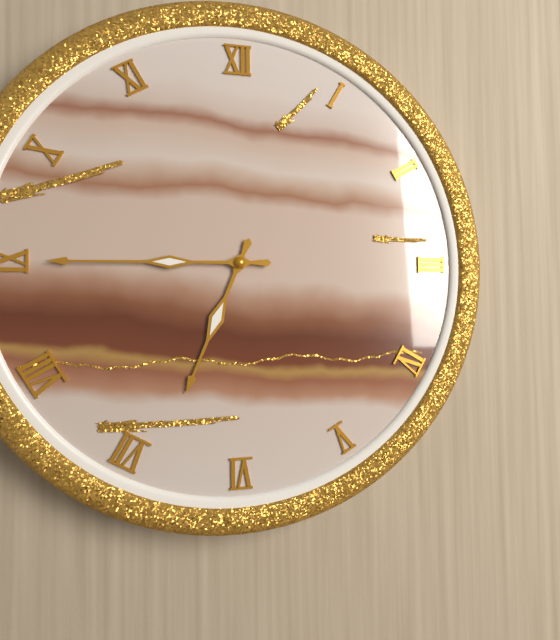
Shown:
6.45
